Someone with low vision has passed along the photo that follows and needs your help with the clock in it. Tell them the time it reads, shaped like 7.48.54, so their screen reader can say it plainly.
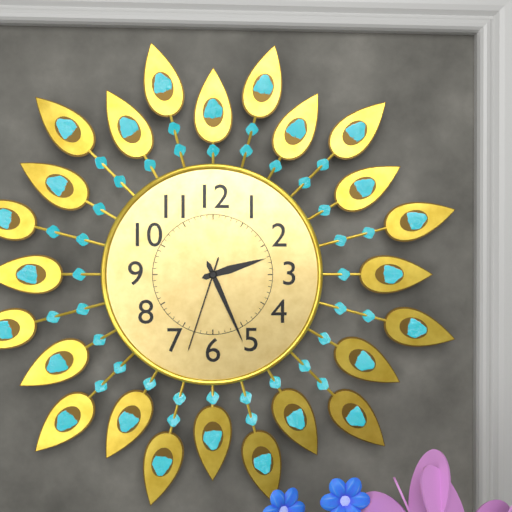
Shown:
2.26.33
